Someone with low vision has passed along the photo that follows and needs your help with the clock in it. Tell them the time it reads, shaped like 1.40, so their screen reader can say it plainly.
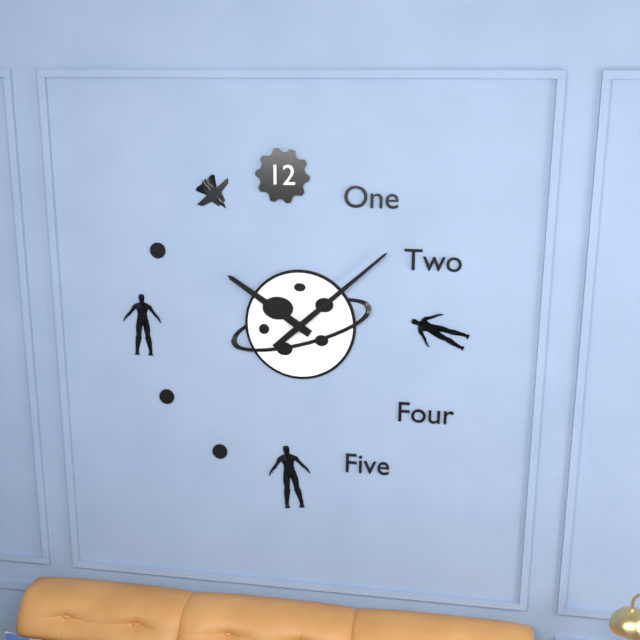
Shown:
10.08
